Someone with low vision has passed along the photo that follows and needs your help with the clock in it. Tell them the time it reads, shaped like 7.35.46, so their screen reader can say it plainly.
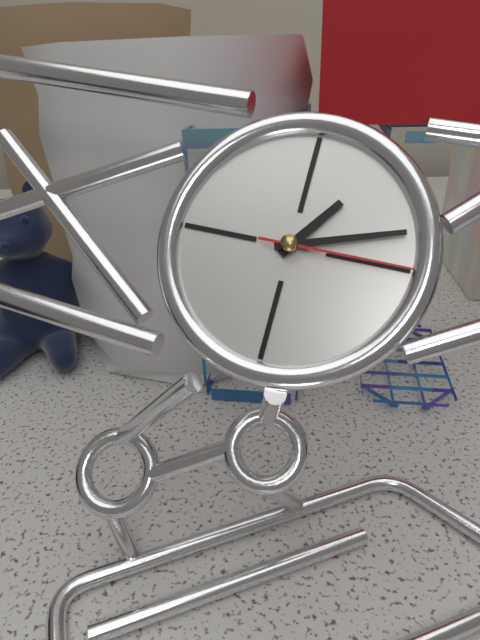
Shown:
1.12.15
